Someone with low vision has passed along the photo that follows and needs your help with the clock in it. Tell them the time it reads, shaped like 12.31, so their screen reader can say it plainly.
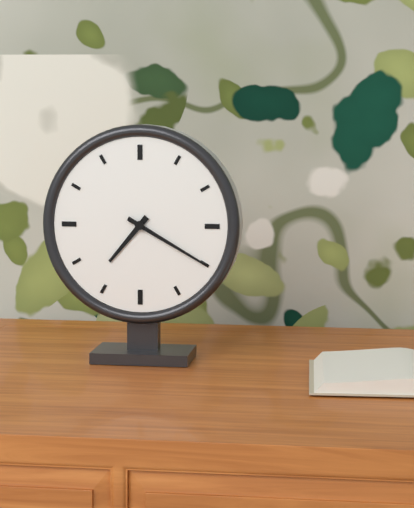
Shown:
7.20
